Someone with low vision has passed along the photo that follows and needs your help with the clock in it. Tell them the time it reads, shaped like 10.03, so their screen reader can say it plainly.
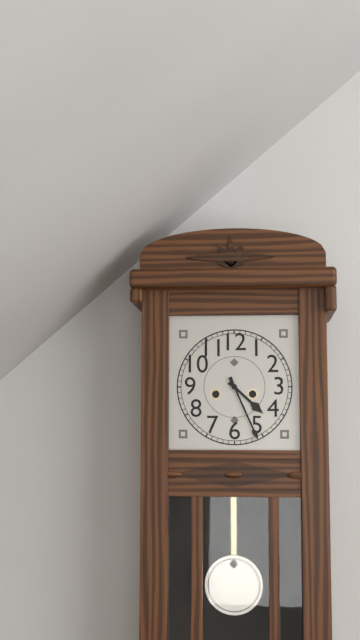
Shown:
4.26
